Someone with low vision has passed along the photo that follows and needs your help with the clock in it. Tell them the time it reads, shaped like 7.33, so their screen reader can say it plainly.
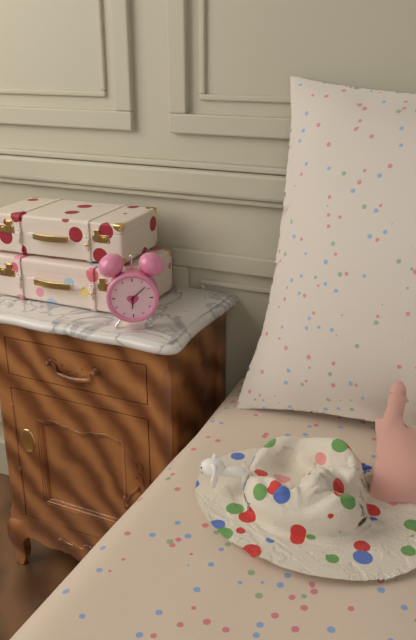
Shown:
6.08
